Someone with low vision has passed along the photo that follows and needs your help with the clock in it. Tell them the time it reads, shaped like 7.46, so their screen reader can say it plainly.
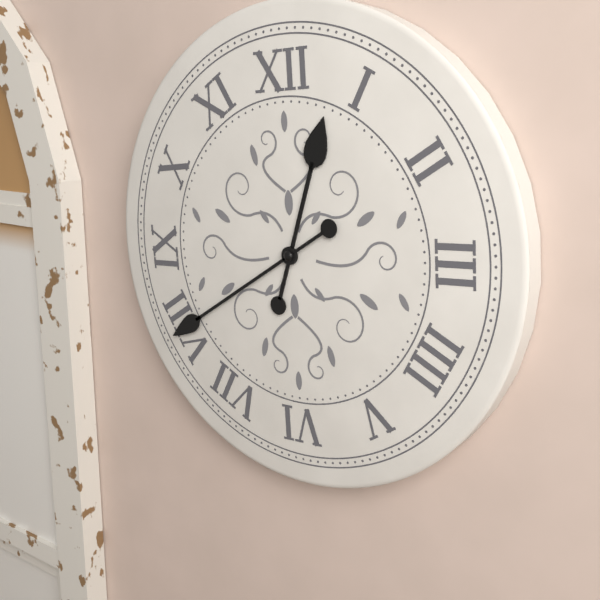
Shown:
12.40
